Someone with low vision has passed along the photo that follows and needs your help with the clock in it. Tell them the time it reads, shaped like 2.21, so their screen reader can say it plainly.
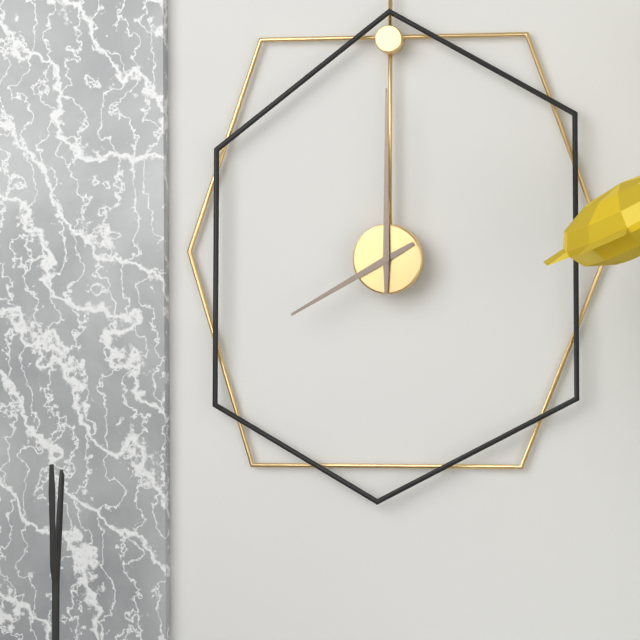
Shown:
8.00
